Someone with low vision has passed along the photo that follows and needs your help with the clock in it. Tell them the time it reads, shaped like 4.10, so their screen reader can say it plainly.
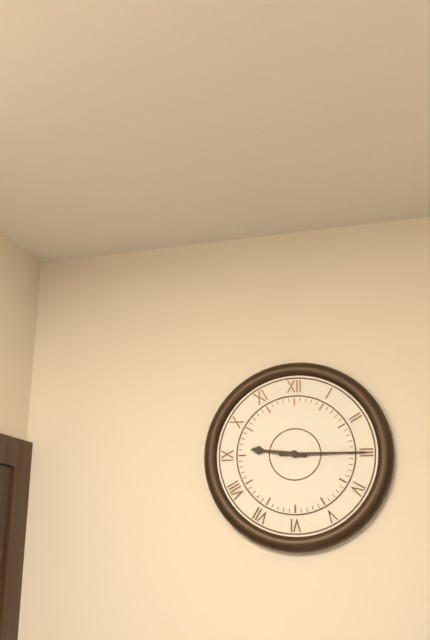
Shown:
9.15
